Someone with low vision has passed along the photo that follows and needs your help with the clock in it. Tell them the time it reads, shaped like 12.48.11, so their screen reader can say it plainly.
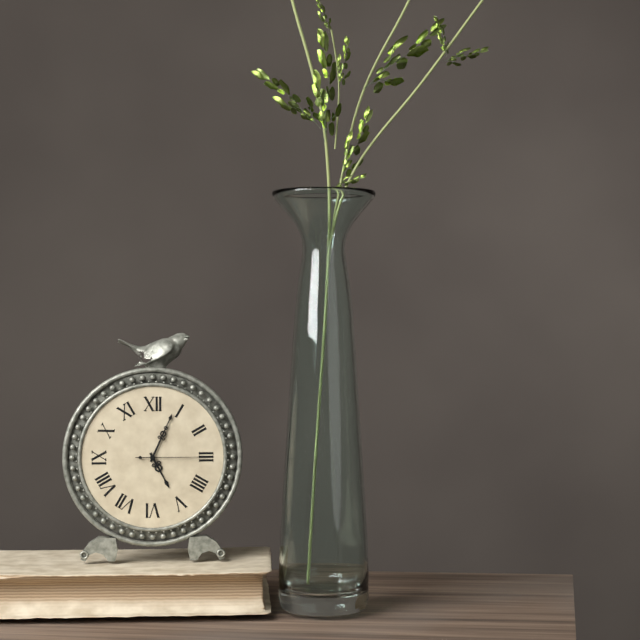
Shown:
5.04.15
